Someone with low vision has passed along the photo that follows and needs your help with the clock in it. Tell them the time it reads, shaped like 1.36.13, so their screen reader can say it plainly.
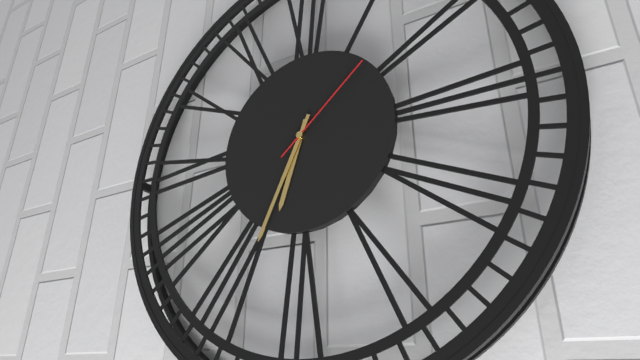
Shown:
6.34.08
